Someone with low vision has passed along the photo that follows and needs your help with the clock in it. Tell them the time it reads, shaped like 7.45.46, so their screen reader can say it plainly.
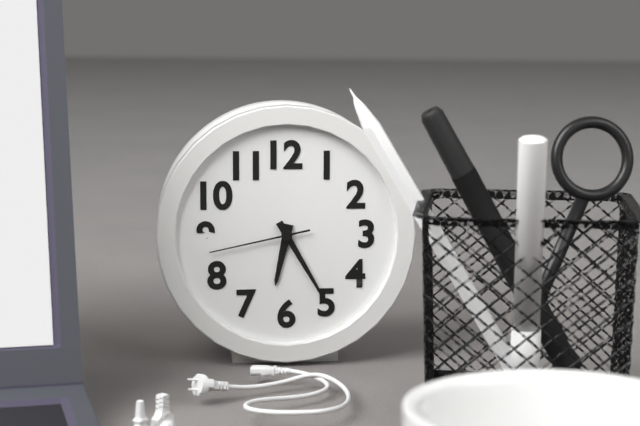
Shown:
6.25.43
